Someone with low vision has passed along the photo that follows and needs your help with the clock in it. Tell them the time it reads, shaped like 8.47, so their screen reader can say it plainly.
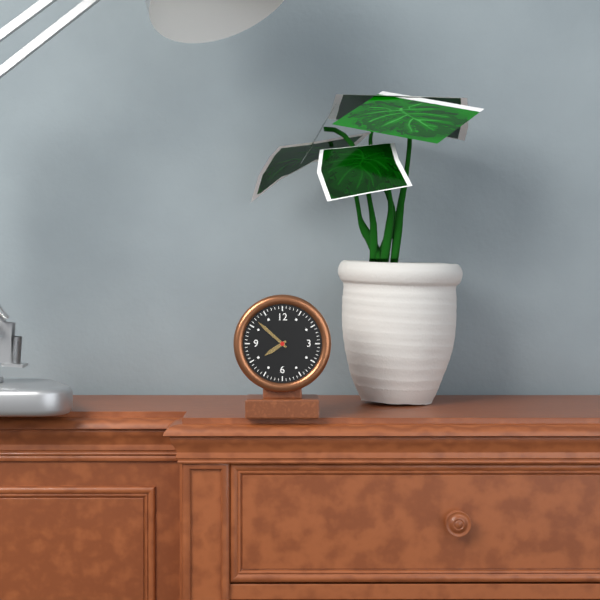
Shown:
7.52
